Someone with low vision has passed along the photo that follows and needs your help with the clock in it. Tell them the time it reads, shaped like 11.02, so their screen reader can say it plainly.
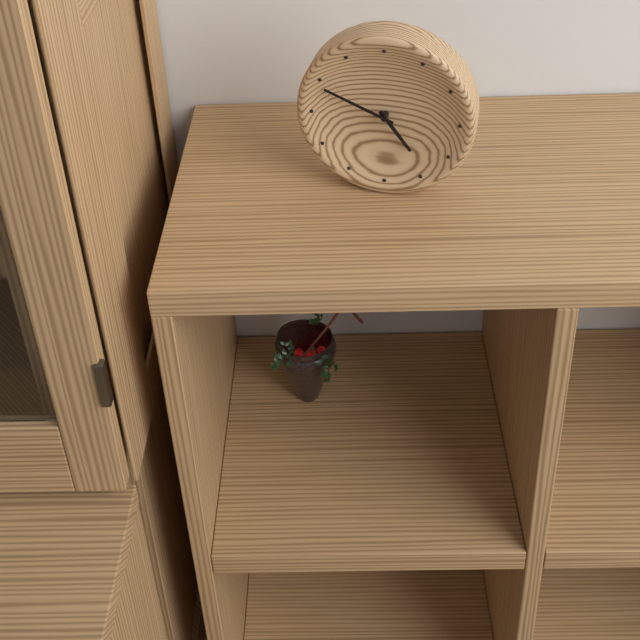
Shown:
4.49
